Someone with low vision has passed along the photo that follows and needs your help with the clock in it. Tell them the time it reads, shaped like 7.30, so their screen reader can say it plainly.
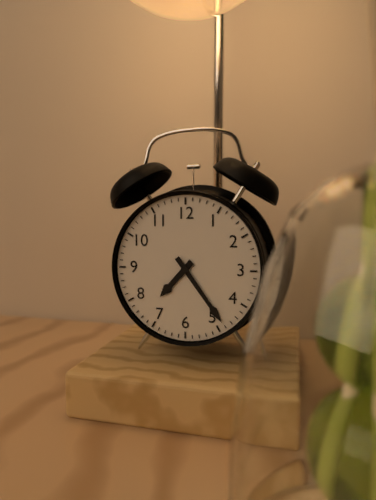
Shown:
7.24
